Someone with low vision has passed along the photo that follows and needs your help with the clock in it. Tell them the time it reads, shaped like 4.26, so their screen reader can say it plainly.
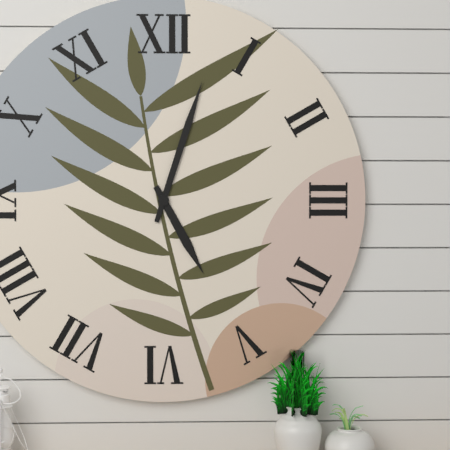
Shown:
5.03
